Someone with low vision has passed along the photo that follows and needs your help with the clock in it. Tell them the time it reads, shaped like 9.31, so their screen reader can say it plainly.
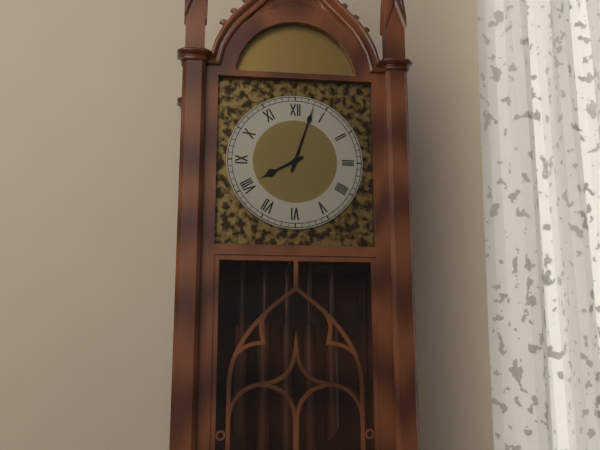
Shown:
8.03
